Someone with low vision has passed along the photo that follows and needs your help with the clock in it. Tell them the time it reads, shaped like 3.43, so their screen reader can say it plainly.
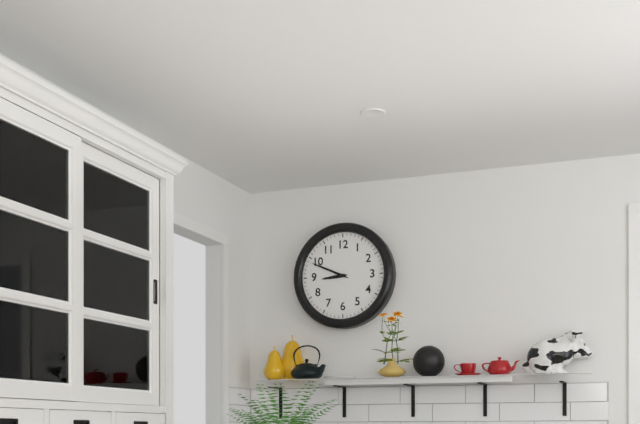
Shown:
8.49
